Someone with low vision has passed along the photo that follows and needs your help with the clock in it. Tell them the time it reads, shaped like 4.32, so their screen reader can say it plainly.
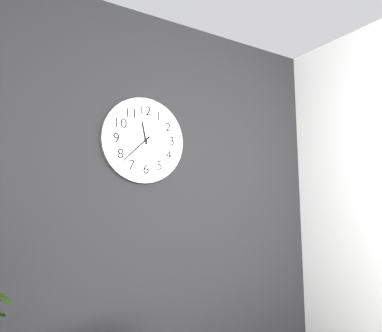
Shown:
11.38
